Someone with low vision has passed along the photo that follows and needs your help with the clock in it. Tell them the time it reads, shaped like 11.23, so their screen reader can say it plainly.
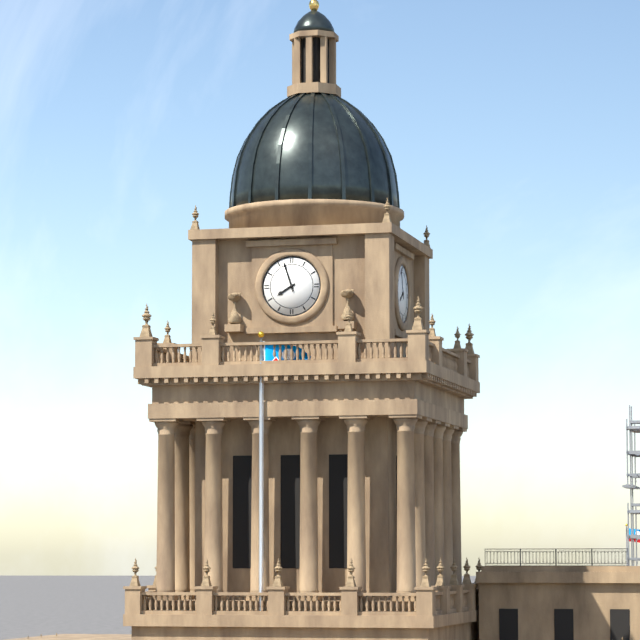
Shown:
7.57
